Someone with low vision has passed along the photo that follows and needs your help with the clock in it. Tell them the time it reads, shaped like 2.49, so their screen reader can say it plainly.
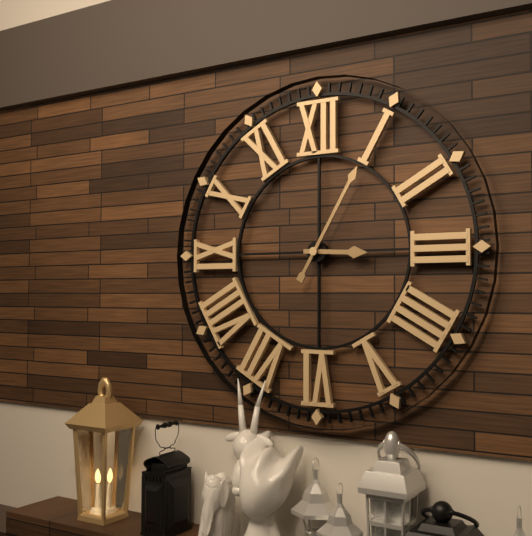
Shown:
3.05
